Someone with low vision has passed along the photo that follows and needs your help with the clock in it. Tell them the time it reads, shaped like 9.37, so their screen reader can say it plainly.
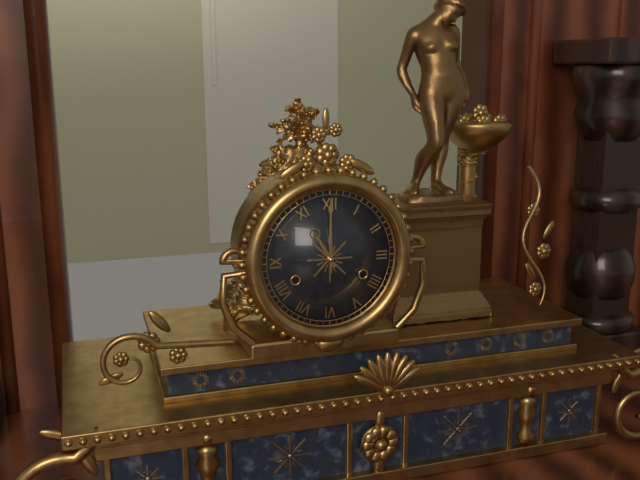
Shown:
11.00
